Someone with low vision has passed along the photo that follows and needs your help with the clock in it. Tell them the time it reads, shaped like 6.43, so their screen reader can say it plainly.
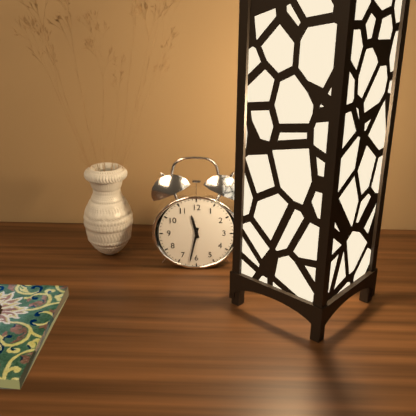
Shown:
11.32
